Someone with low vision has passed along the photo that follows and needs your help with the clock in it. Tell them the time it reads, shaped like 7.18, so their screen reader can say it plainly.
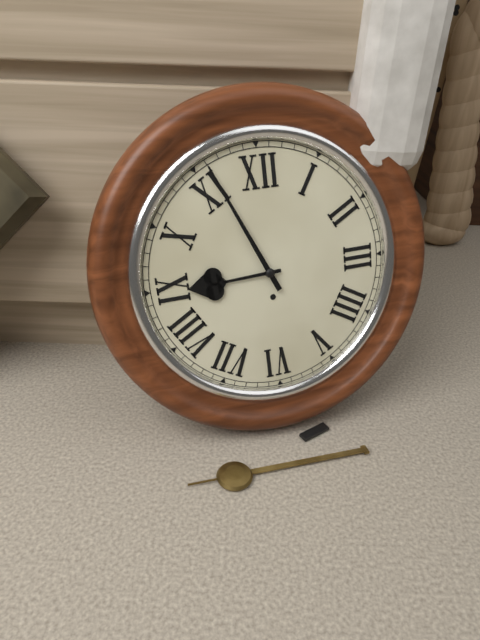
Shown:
8.56
